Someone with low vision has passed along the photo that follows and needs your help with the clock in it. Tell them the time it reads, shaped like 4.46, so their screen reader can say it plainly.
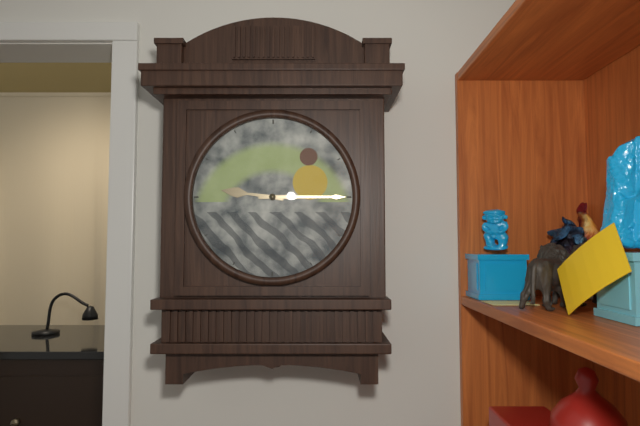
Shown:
9.15
